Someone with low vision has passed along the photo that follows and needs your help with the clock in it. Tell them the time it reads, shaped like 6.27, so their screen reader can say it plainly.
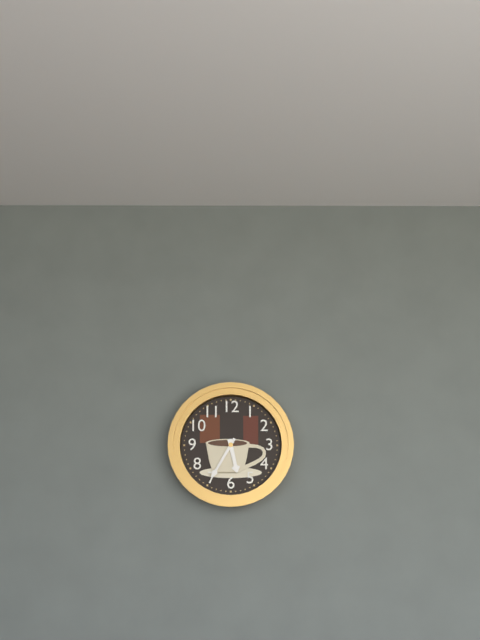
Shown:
5.35
